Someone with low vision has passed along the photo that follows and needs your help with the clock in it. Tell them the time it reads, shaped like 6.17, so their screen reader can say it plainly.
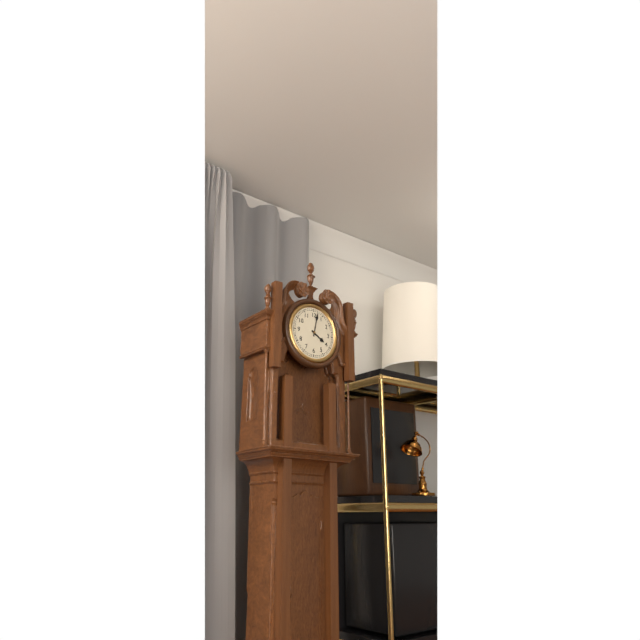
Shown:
4.02
